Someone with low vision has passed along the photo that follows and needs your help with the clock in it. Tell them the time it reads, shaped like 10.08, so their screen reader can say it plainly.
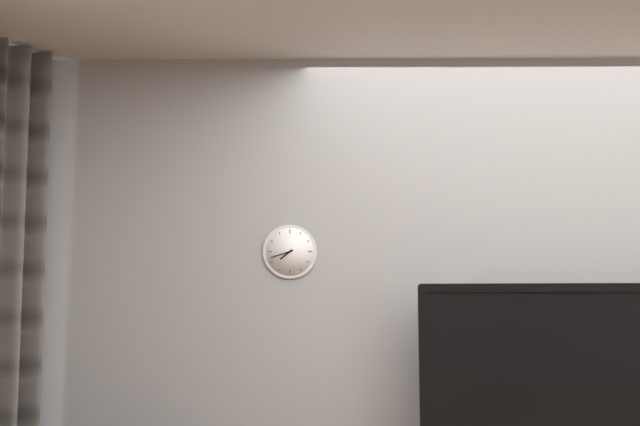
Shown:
7.42
